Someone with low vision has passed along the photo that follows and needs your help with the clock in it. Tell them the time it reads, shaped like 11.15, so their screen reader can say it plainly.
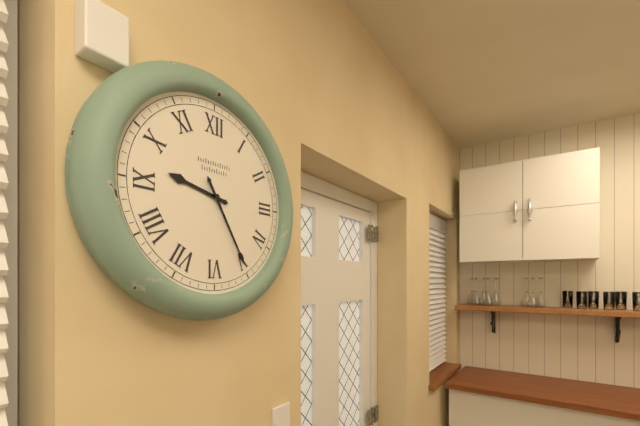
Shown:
9.25
